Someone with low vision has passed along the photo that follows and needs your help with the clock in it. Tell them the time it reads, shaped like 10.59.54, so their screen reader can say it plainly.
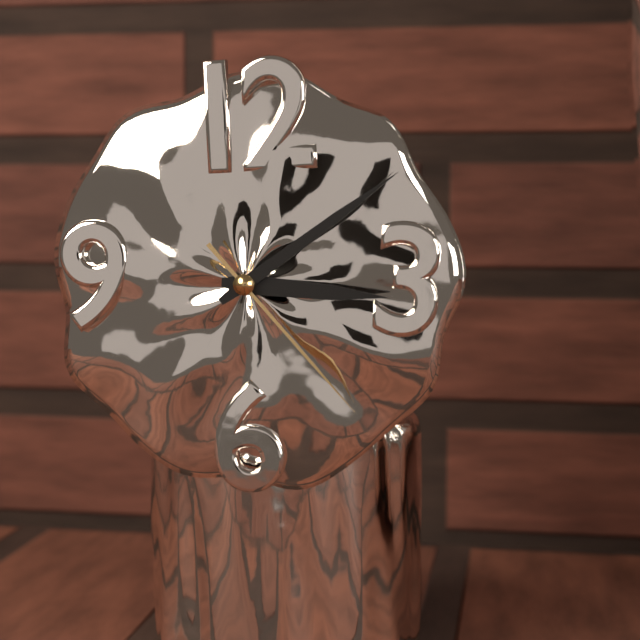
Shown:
3.09.23
